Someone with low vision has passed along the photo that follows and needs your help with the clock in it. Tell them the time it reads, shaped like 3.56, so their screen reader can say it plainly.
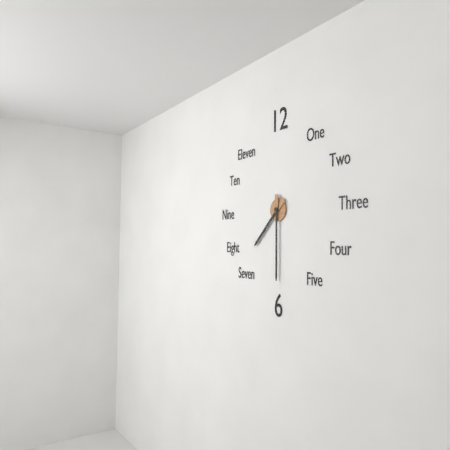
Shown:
7.30
